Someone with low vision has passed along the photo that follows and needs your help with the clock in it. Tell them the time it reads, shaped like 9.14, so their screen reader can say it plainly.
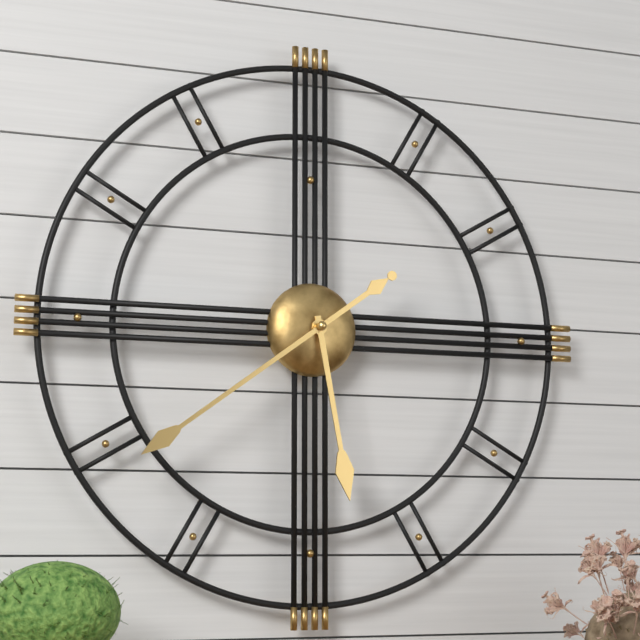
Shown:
5.39
